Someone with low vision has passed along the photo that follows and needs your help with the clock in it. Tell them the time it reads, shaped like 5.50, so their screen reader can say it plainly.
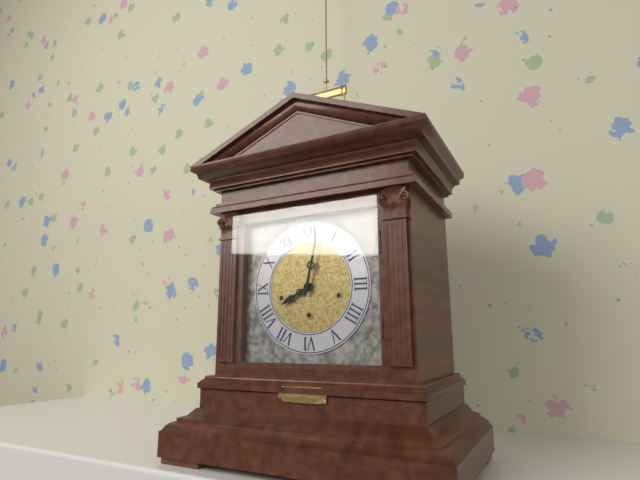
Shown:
8.02
